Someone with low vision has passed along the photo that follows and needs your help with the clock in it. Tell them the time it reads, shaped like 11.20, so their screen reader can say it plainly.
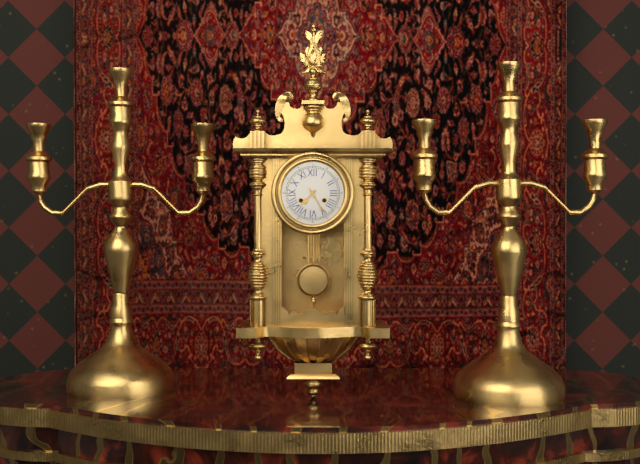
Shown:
7.25
